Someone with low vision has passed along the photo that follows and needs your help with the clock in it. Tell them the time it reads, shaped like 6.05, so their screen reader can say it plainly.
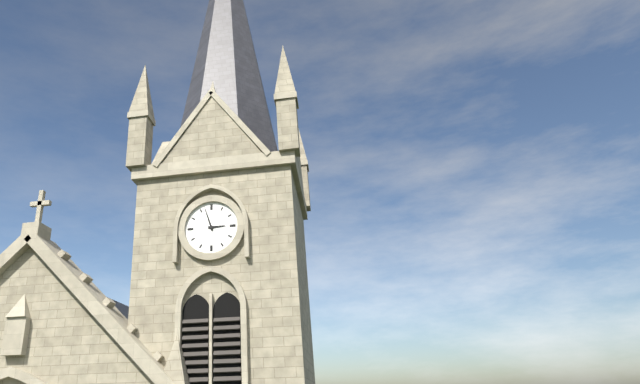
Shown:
2.57
